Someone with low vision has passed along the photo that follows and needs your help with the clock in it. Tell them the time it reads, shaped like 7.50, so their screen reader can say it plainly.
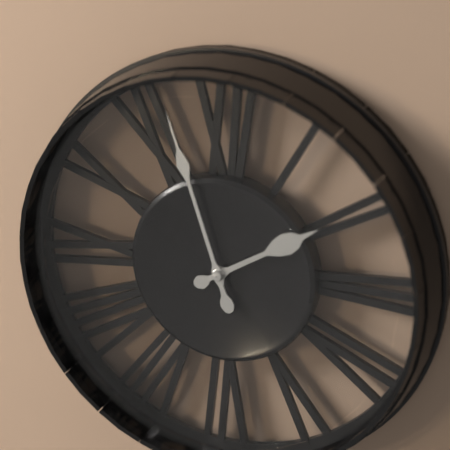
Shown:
1.57
